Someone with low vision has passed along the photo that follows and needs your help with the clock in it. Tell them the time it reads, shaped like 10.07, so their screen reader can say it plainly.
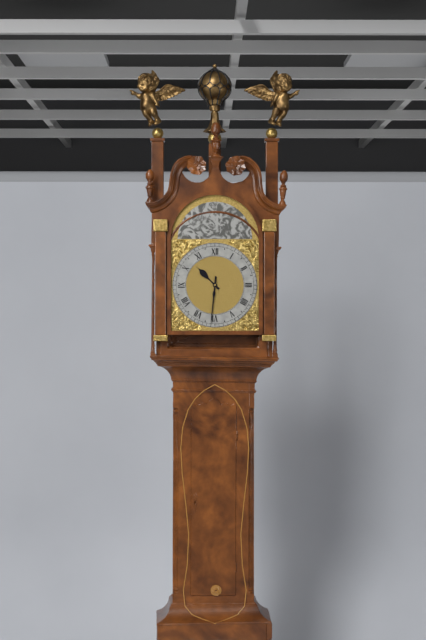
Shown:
10.31
